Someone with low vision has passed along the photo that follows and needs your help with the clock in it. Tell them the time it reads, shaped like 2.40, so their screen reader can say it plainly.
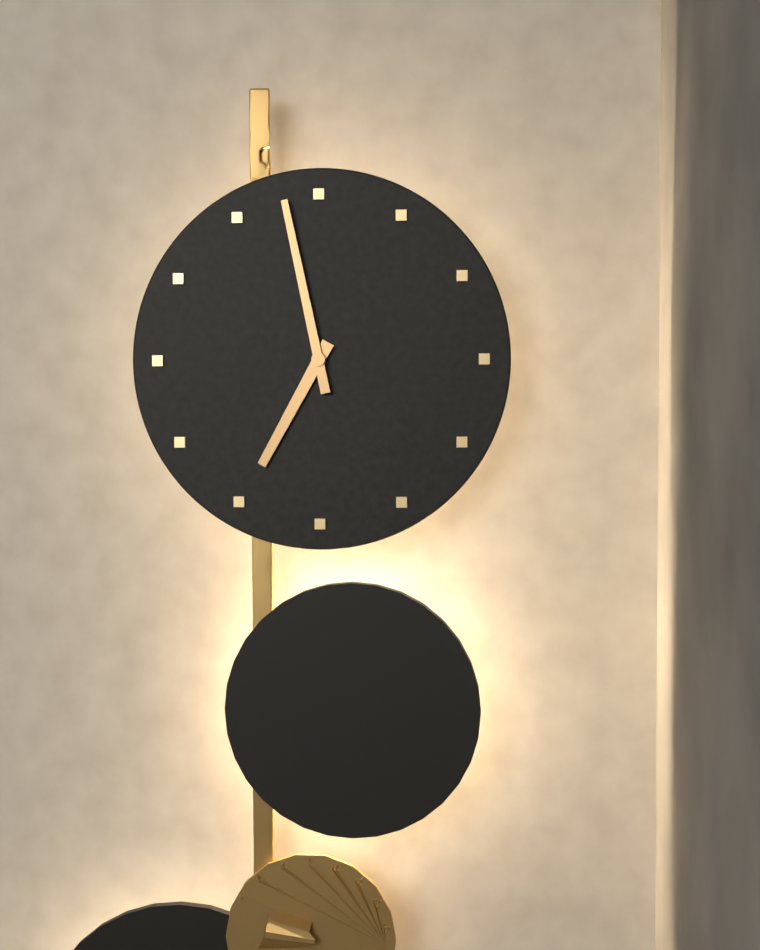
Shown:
6.58
